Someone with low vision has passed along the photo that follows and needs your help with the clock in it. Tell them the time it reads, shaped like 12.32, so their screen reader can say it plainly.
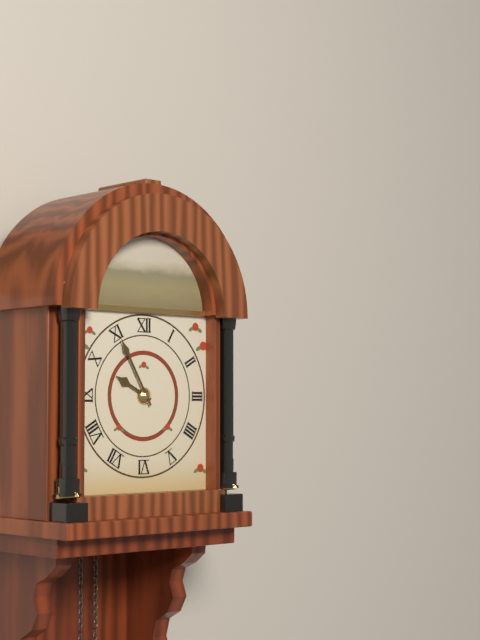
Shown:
9.55
